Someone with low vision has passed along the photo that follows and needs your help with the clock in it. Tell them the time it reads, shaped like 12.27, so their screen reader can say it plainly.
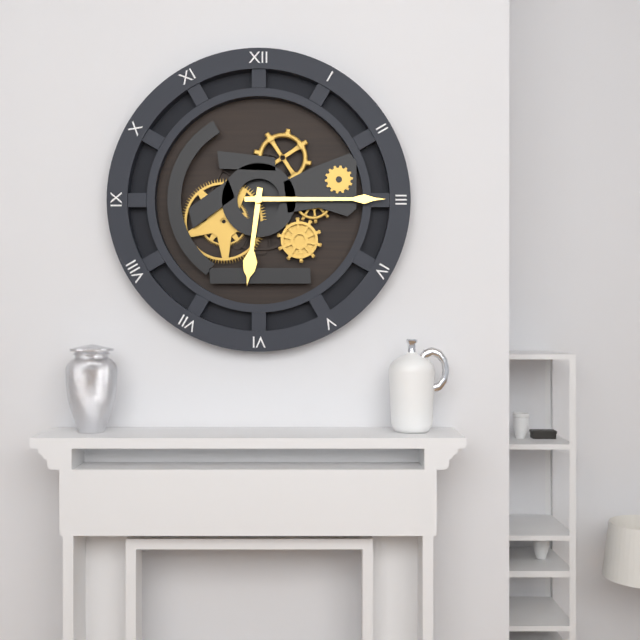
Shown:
6.15
